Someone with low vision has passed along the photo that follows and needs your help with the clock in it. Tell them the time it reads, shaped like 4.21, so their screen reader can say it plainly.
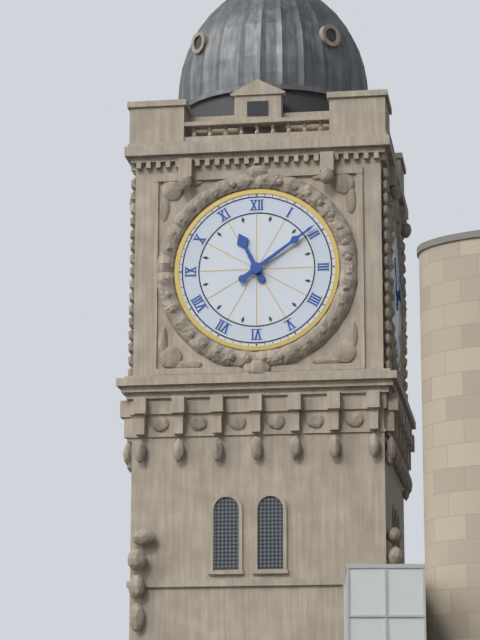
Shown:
11.09
